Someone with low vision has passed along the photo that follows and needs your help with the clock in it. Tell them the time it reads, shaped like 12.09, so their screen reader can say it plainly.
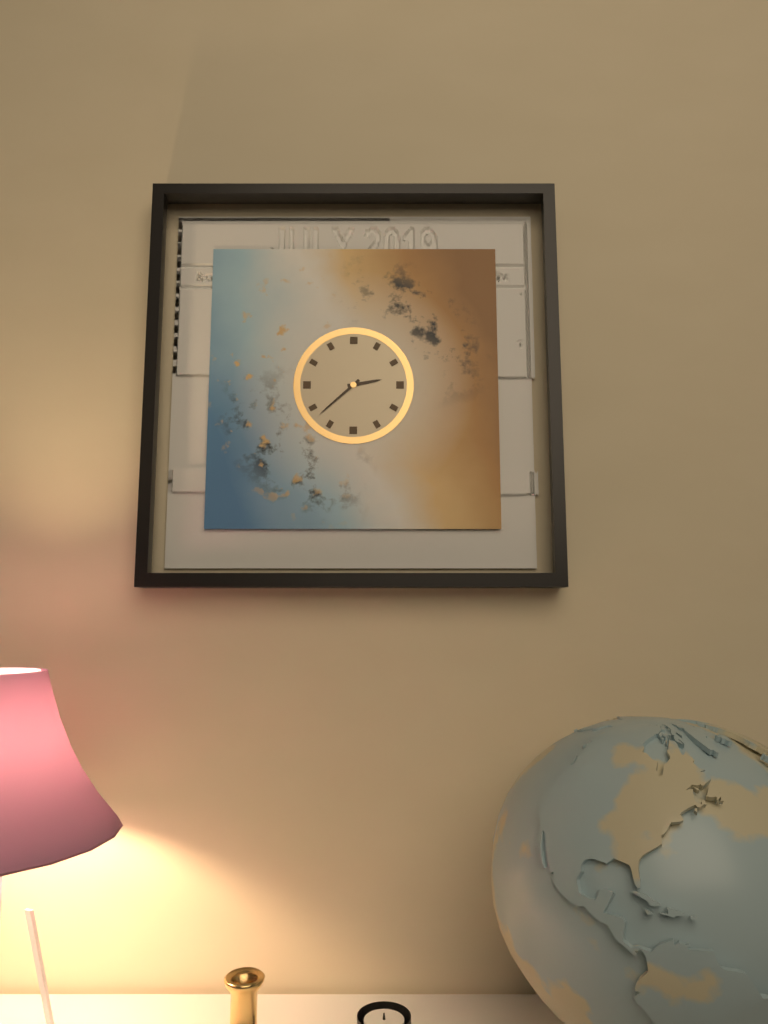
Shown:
2.38
